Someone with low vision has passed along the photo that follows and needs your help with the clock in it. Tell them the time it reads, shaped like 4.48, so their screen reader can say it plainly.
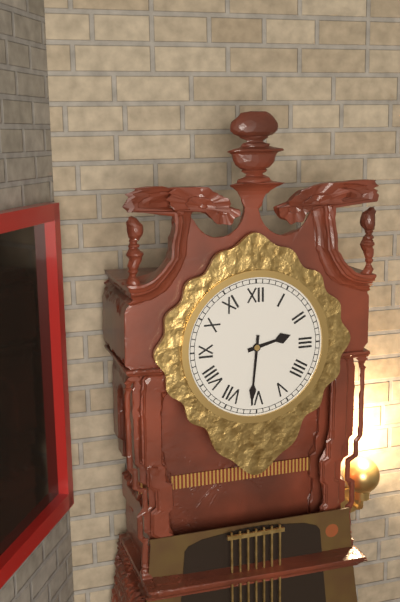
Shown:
2.31
